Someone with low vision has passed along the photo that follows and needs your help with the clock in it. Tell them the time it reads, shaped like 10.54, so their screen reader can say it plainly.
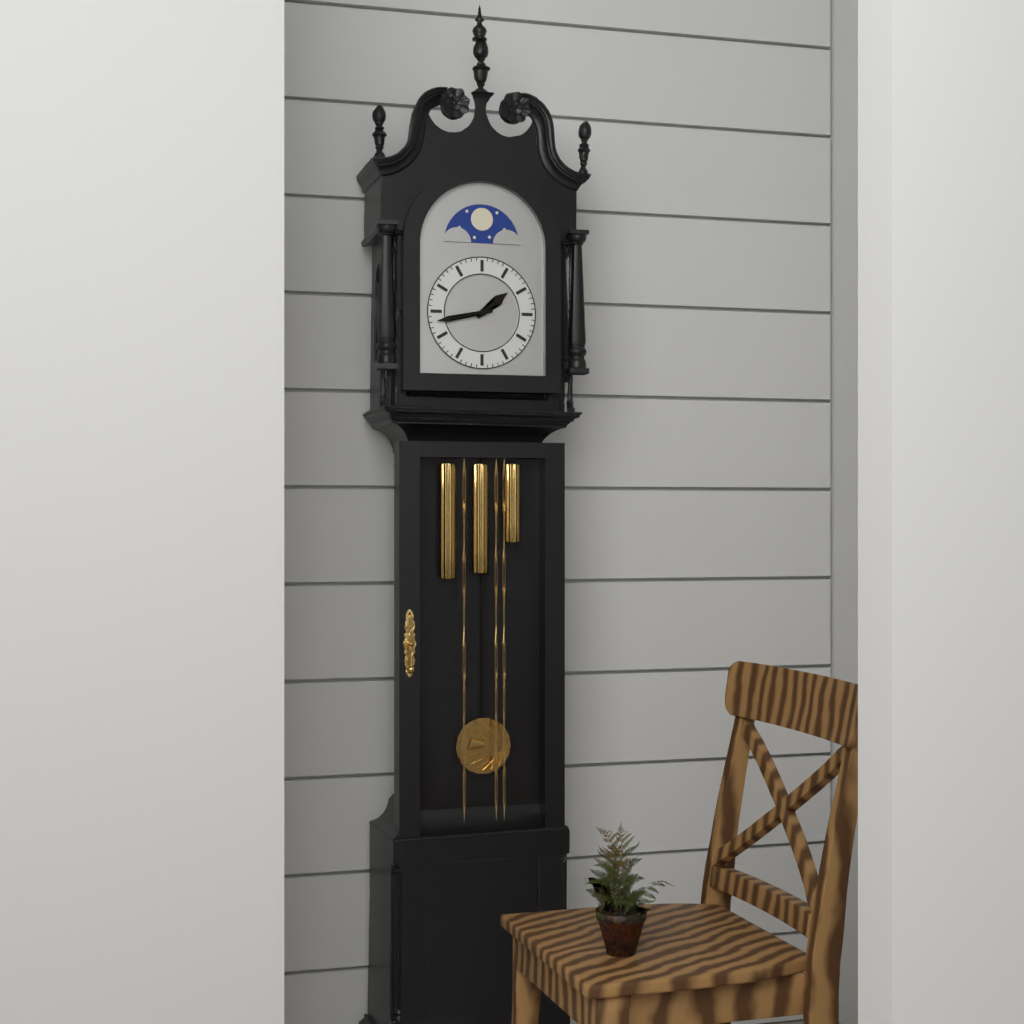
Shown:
1.43
